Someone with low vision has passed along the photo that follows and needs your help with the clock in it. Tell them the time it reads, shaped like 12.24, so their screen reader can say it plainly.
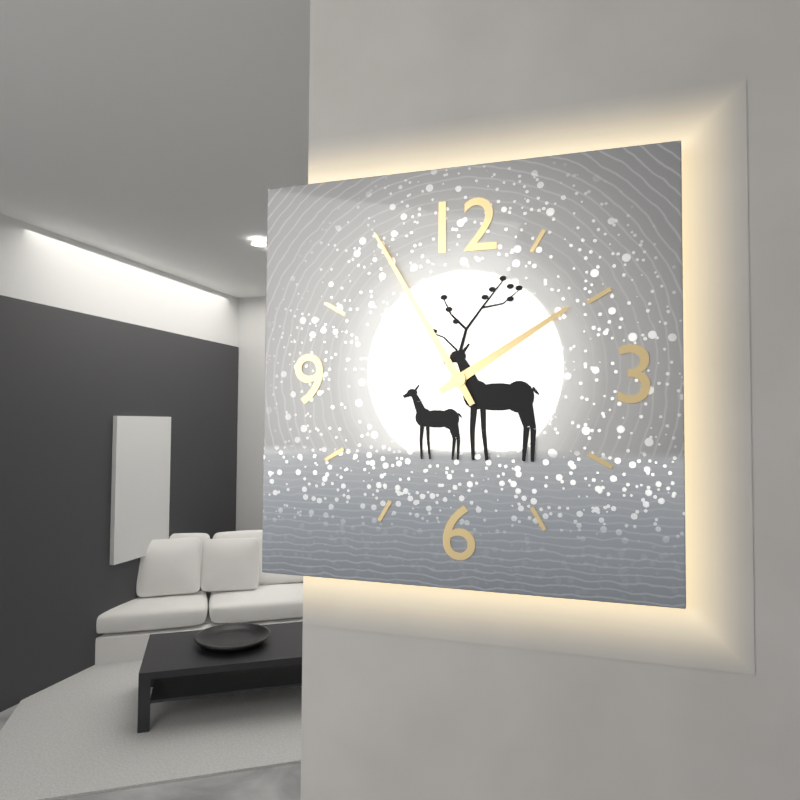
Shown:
1.55
